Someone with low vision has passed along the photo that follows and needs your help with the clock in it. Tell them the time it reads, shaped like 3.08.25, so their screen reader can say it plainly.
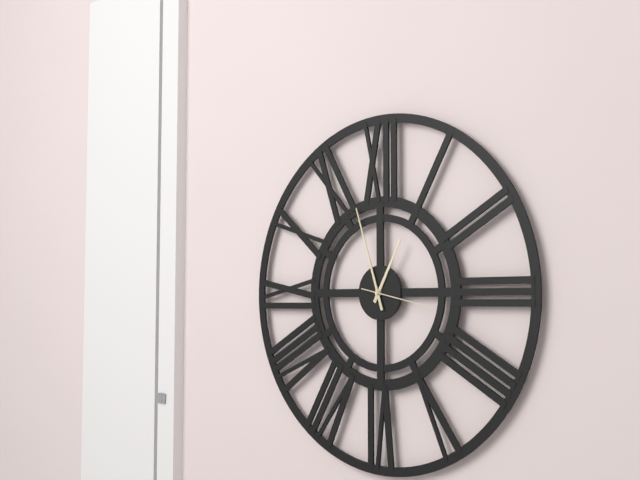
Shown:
12.57.17
